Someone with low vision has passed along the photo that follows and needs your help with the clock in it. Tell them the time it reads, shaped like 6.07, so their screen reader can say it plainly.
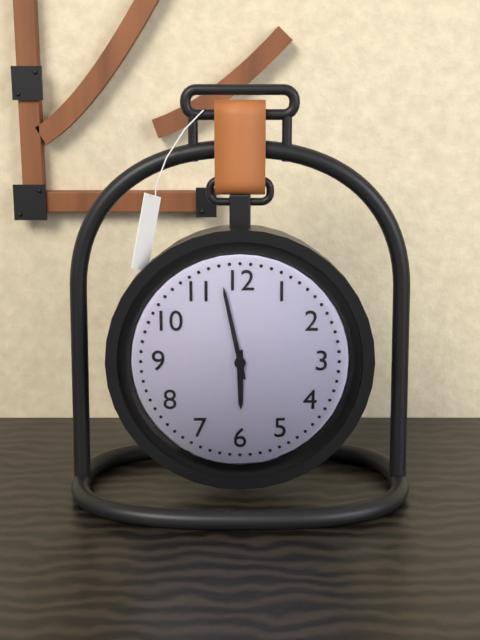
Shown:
5.58
